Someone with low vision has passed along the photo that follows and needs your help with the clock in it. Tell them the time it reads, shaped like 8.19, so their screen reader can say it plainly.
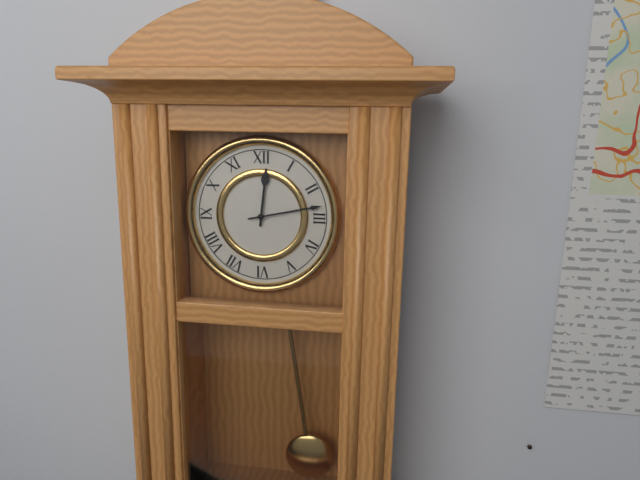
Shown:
12.13
